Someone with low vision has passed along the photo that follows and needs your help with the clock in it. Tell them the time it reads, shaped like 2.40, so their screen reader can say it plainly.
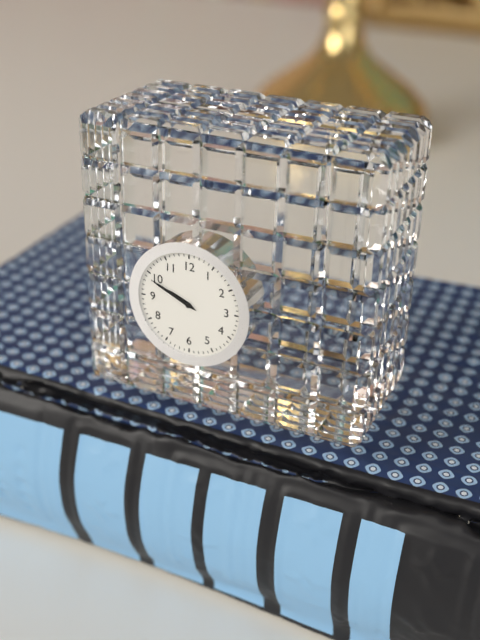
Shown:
9.49
